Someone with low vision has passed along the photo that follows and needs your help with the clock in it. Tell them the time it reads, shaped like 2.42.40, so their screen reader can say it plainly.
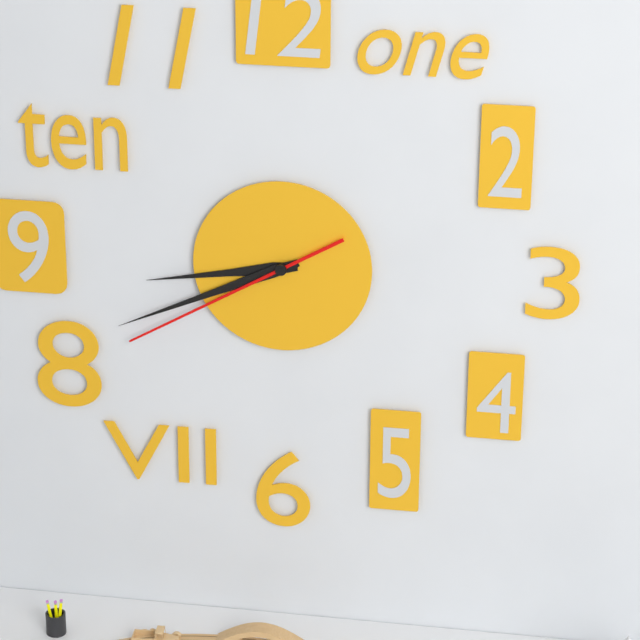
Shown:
8.41.40
